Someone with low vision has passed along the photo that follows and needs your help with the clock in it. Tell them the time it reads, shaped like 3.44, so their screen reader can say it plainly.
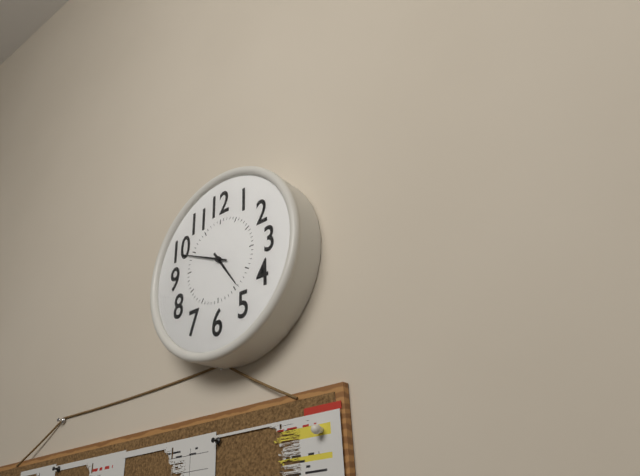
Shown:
4.49
